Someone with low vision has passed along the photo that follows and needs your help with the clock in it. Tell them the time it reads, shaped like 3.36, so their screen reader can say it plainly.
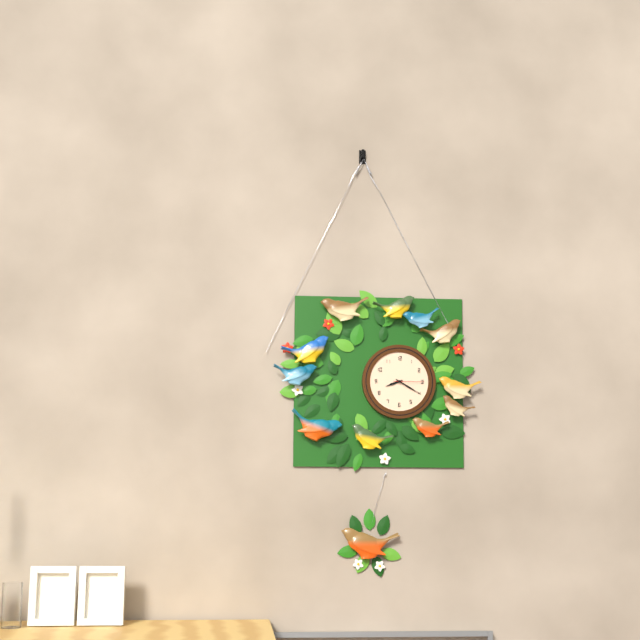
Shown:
8.20
